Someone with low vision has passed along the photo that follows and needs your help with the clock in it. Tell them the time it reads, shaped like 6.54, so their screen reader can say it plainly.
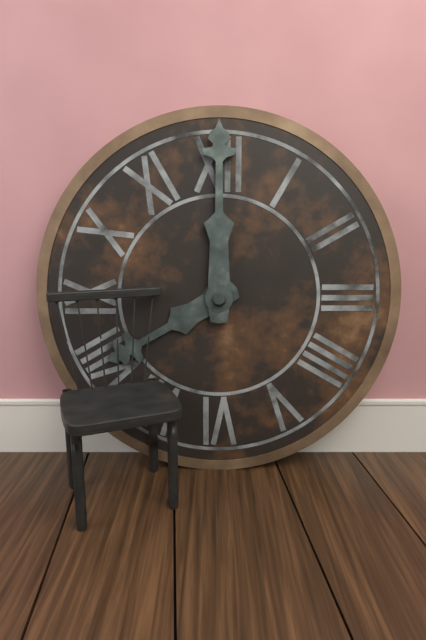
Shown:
8.00
